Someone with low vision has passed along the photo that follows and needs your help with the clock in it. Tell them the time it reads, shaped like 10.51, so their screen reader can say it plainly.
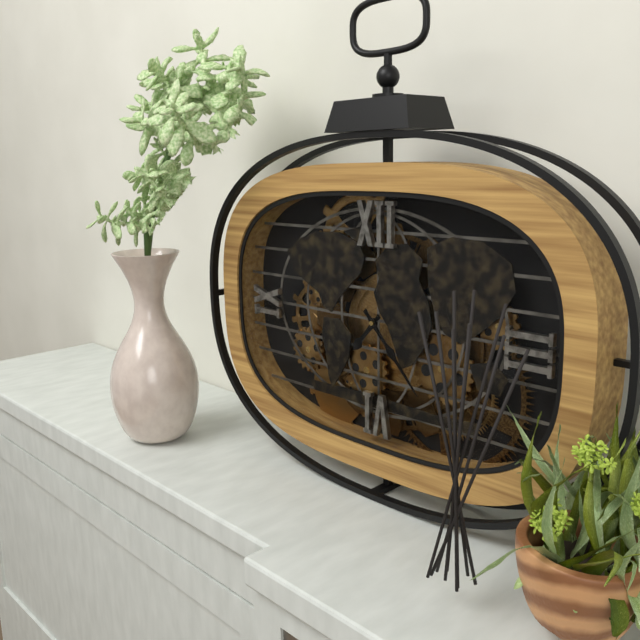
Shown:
7.23
